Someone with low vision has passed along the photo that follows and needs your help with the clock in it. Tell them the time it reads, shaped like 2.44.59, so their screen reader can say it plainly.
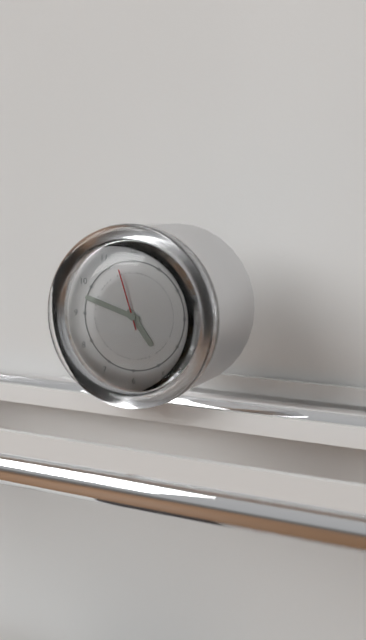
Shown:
4.48.57
